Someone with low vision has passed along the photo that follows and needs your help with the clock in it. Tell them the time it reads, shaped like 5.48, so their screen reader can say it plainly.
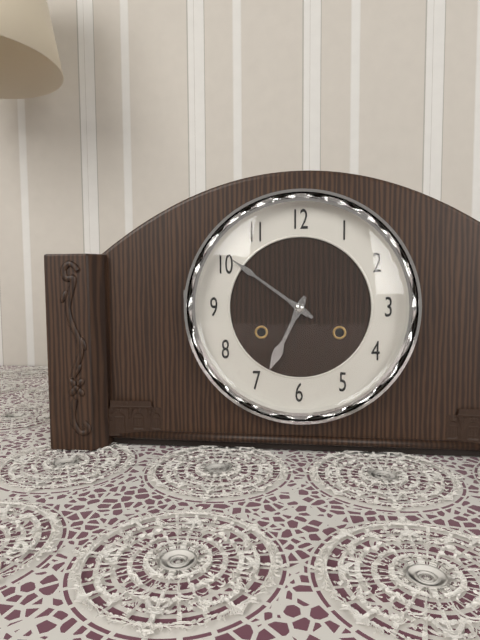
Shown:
6.51
